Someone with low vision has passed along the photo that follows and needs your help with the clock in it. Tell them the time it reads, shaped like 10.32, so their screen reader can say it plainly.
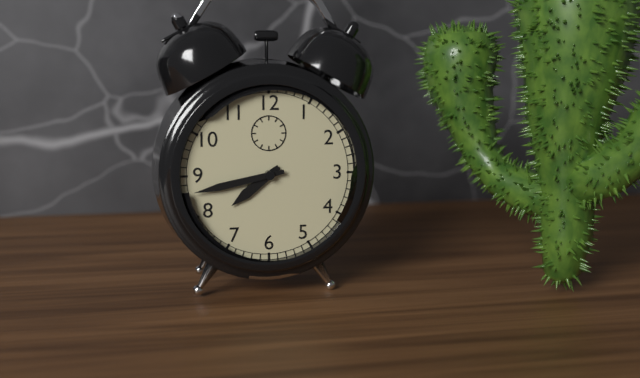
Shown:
7.43
